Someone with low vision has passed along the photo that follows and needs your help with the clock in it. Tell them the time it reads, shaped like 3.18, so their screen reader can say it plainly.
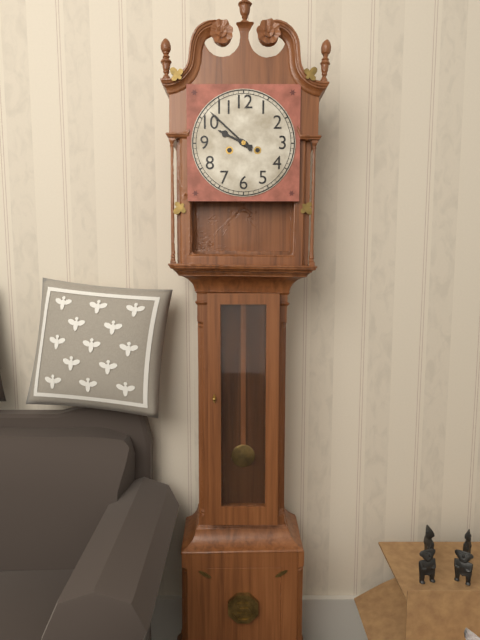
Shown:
9.52
